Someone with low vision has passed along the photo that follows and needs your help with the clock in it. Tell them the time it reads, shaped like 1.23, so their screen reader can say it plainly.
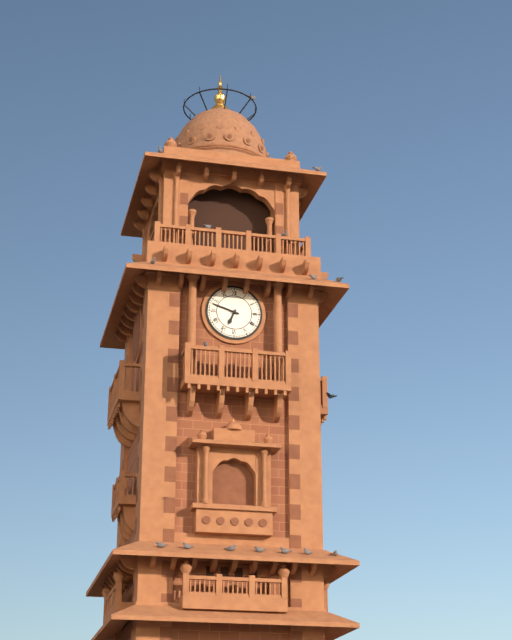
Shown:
6.48
